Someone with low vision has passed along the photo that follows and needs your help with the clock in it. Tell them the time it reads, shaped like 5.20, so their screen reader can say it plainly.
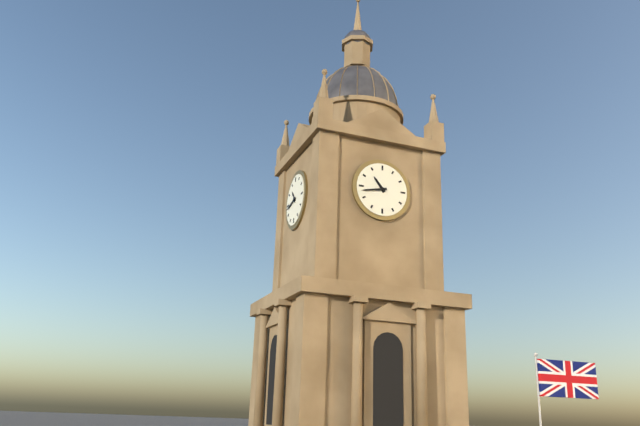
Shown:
10.43
